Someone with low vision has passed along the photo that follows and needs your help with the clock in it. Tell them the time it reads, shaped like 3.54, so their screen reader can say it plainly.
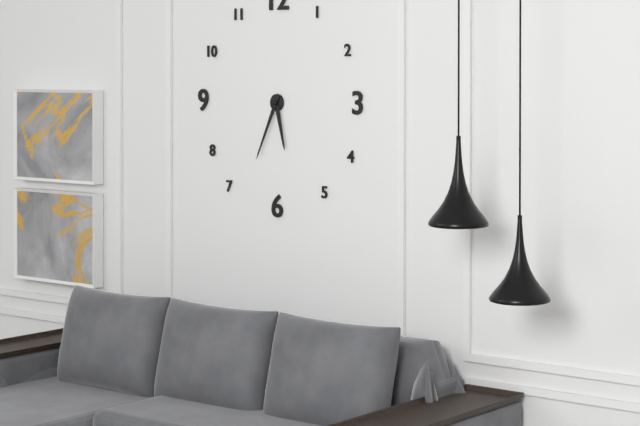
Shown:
5.34
